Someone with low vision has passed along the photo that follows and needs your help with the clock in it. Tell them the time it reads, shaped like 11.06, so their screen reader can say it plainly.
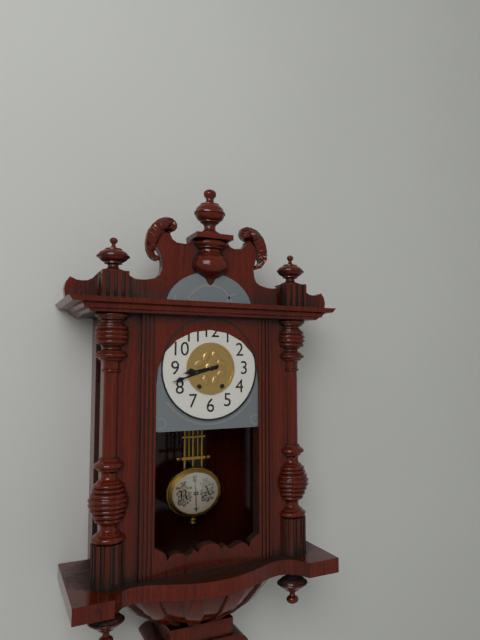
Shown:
8.42
